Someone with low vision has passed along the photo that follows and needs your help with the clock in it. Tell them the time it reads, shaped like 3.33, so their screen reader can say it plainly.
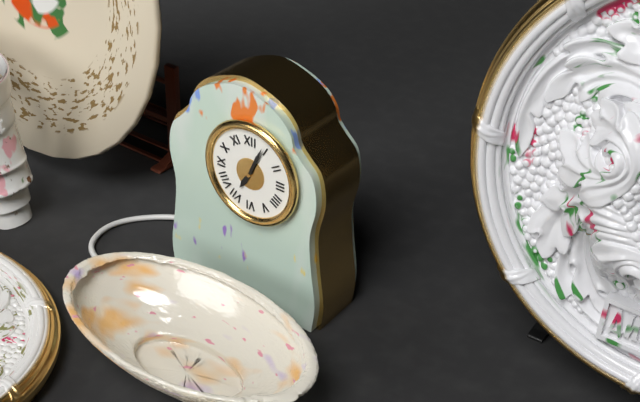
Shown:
7.04
